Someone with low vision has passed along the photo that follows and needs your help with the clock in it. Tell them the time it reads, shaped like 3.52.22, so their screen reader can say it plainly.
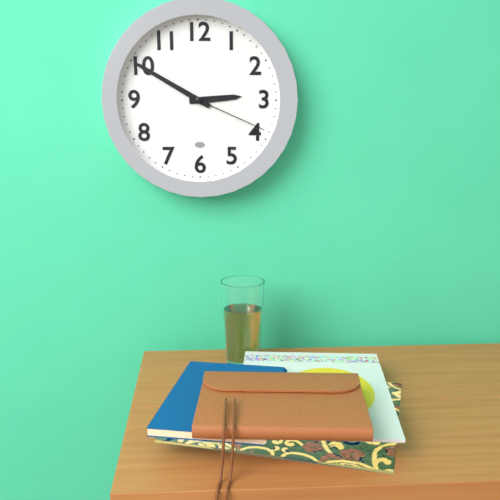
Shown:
2.50.19
